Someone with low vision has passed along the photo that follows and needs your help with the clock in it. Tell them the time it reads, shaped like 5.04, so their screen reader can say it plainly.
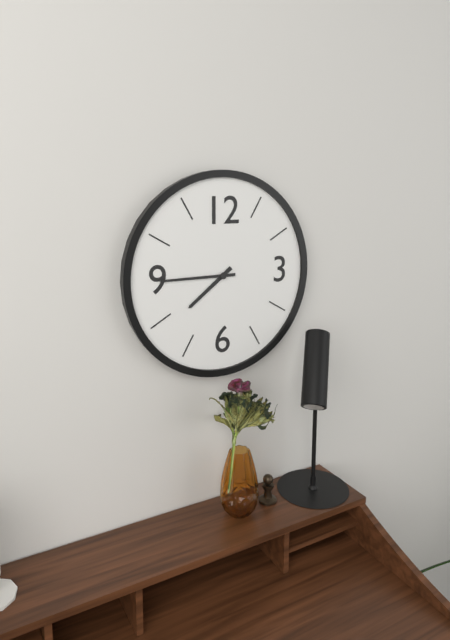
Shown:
7.45
